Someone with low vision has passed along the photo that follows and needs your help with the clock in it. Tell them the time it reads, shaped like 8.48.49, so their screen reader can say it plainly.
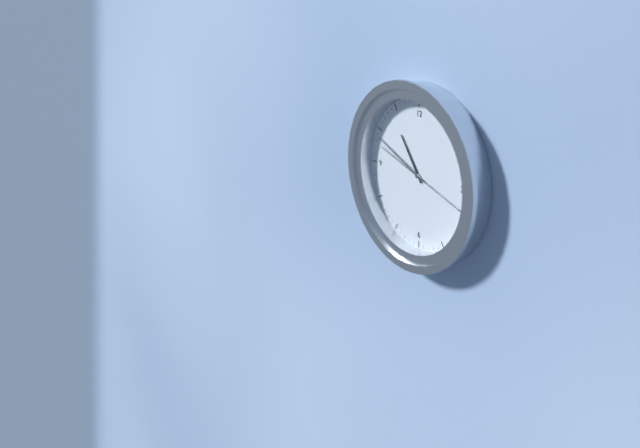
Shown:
10.49.18
